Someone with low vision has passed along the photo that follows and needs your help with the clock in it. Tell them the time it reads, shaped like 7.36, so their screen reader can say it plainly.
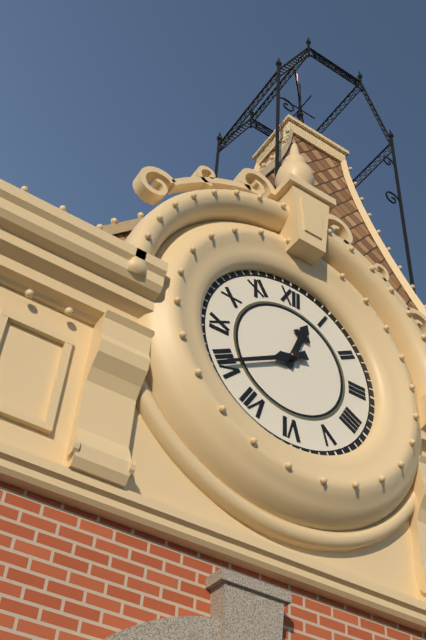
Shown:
12.40
